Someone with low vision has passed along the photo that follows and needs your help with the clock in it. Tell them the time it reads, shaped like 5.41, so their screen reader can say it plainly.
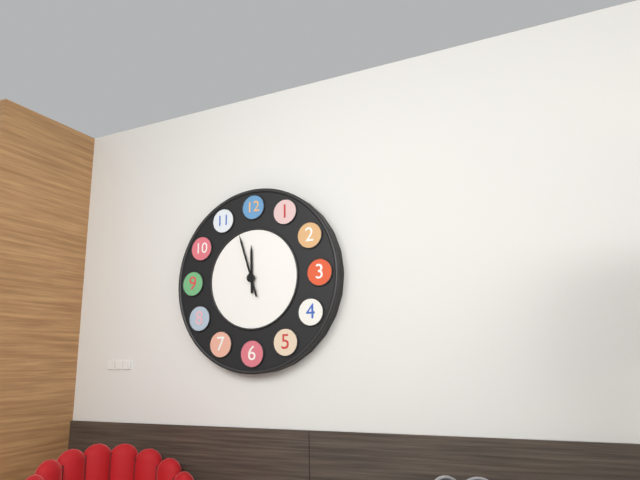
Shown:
11.57
